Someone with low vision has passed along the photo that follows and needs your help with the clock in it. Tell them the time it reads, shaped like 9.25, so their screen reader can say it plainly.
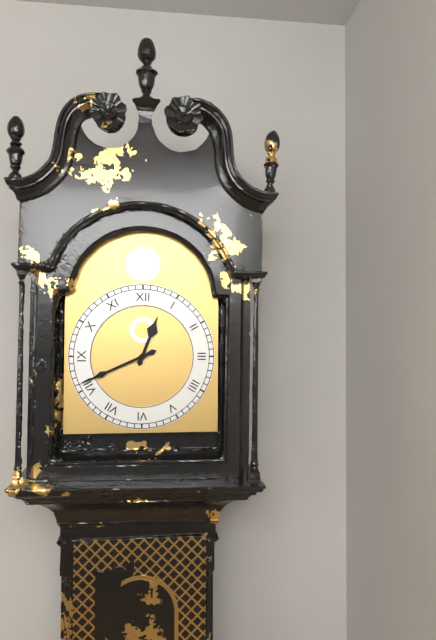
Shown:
12.41
